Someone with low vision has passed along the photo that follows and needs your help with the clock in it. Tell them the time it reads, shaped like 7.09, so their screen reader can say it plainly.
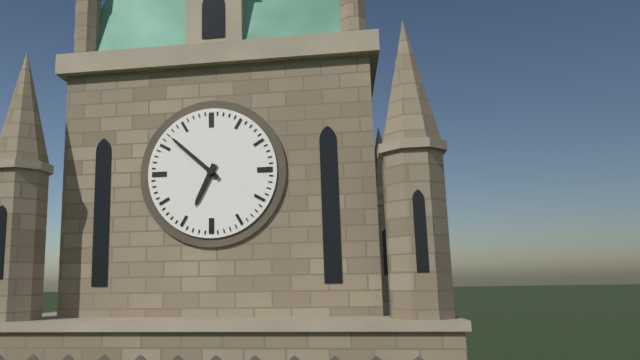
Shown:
6.52
